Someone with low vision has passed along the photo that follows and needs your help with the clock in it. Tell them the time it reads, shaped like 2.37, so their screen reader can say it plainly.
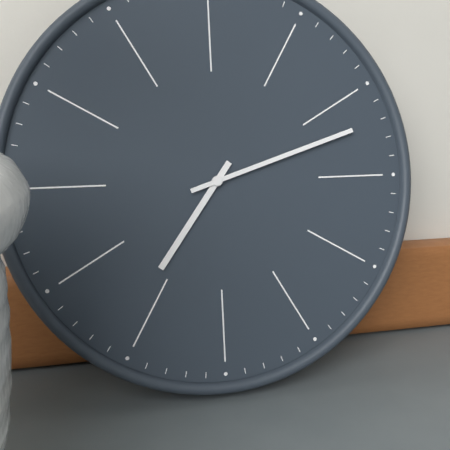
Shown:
7.12
